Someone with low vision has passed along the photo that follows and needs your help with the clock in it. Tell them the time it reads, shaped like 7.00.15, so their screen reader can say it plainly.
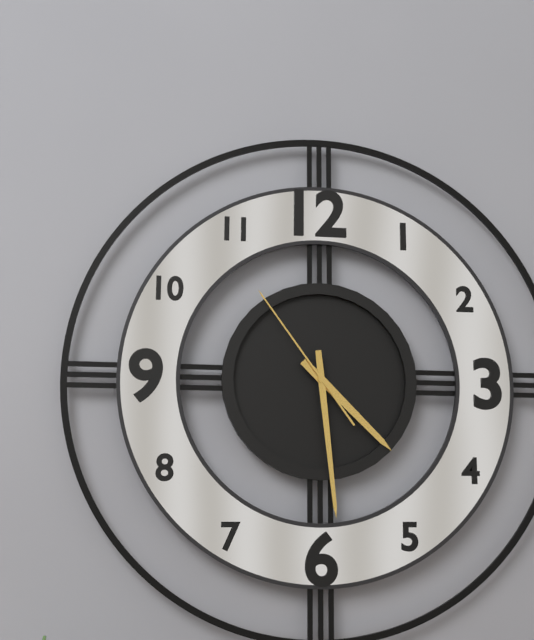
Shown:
4.29.54
